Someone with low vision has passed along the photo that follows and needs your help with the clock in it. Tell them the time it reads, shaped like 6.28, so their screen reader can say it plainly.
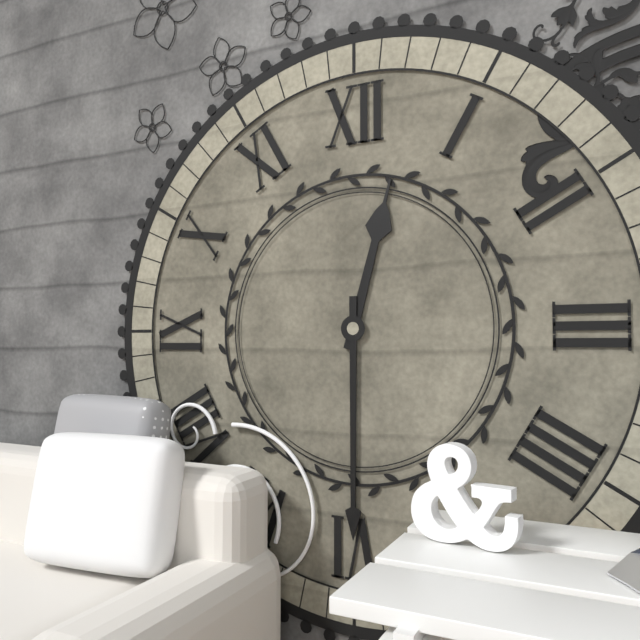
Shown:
12.30
